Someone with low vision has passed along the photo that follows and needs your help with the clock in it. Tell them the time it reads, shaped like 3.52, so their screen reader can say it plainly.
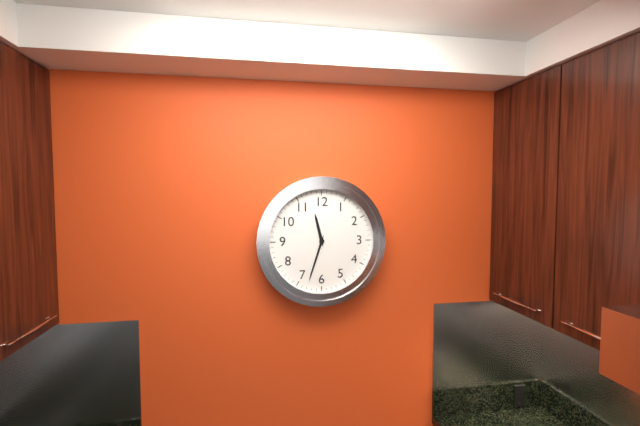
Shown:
11.33
